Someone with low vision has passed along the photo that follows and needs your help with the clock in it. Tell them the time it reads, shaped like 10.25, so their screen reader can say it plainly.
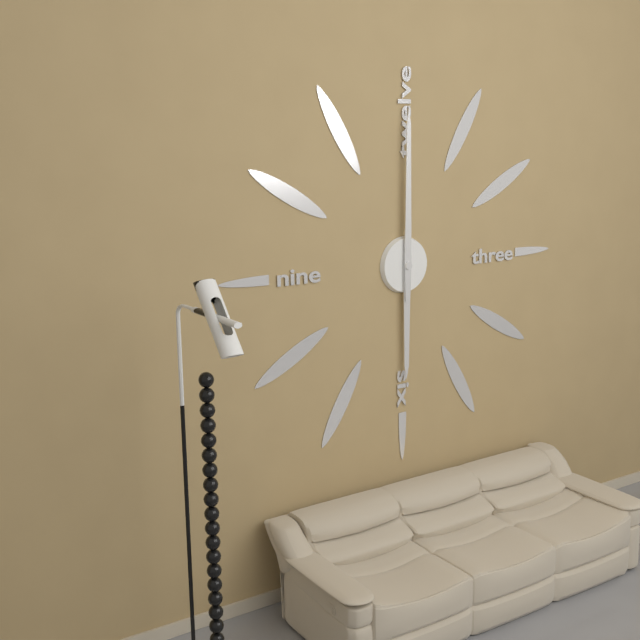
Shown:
6.00
